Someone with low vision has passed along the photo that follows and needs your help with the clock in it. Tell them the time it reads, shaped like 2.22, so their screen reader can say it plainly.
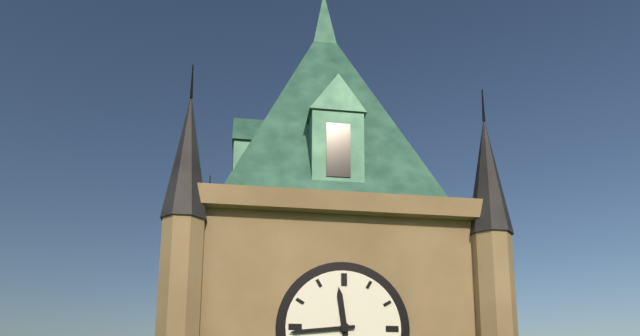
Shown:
11.44
